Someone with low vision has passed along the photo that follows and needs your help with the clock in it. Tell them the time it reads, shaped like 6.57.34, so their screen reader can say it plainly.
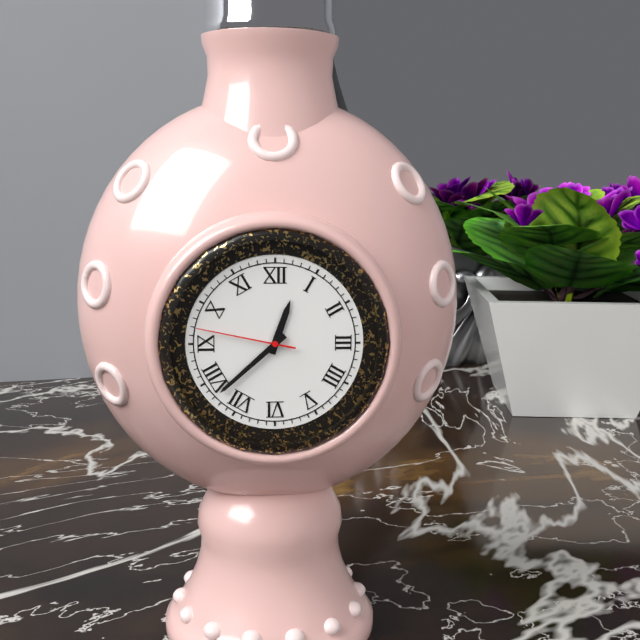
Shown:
12.38.47
